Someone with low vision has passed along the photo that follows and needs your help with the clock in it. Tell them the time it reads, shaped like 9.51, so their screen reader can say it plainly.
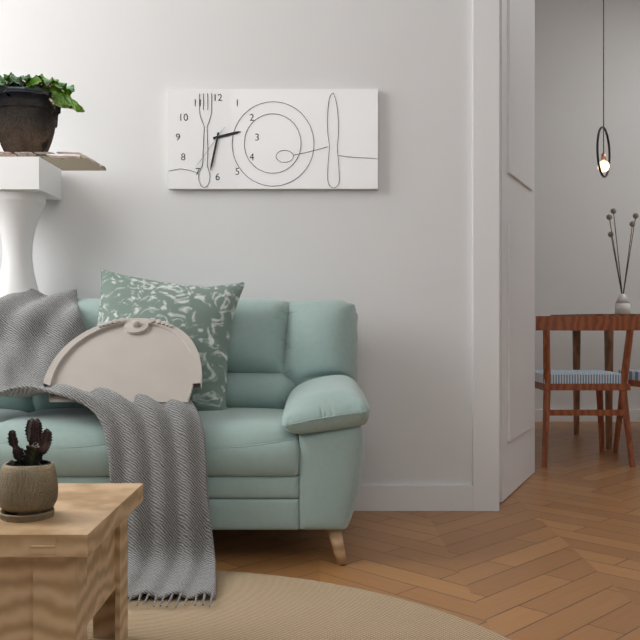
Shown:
2.32
